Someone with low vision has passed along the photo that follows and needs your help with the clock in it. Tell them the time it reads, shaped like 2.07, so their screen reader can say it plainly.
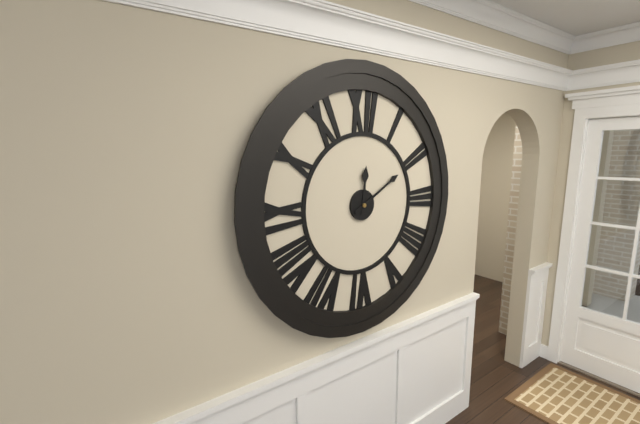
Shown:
12.10
